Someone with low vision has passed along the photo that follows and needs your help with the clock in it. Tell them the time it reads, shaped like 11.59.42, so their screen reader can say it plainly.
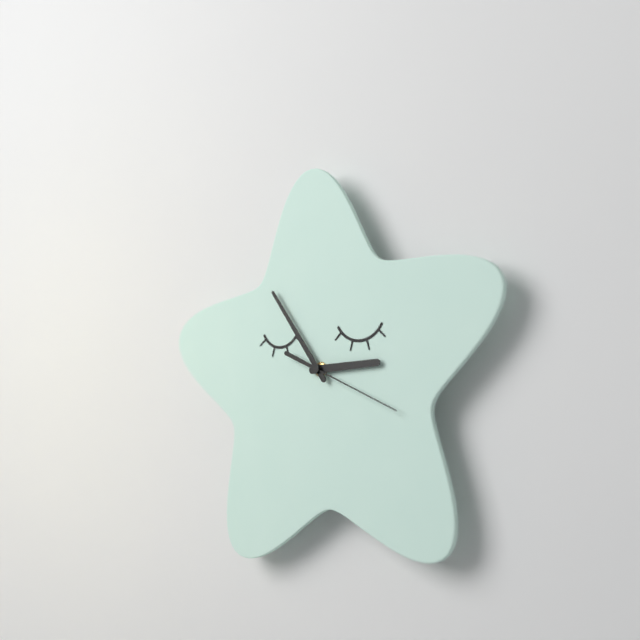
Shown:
2.54.19
